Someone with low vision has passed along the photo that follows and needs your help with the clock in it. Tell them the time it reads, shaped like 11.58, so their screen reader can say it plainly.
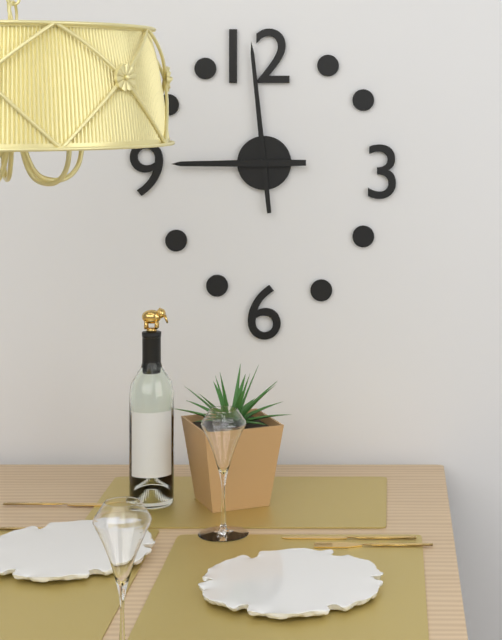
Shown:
8.59
